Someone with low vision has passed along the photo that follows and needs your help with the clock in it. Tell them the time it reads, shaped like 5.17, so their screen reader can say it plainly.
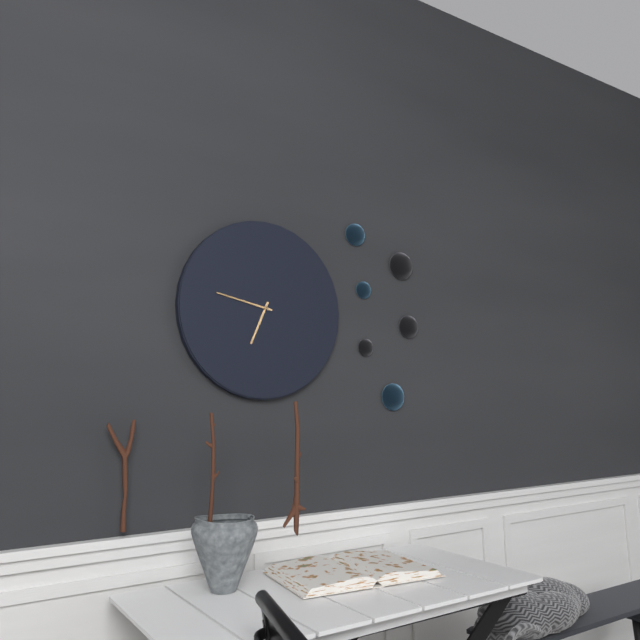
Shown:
6.47
